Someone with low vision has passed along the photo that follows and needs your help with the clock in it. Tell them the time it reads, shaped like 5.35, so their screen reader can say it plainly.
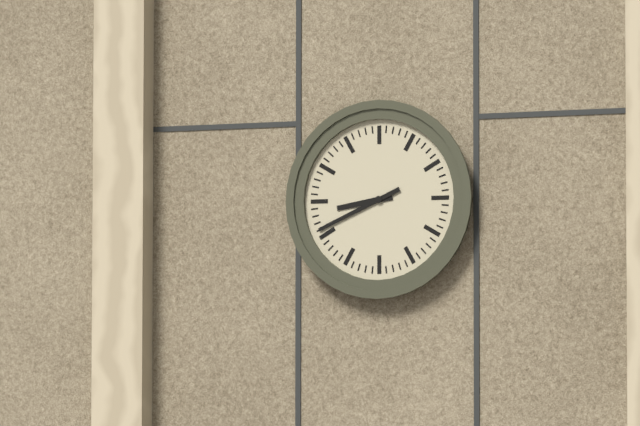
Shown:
8.41
